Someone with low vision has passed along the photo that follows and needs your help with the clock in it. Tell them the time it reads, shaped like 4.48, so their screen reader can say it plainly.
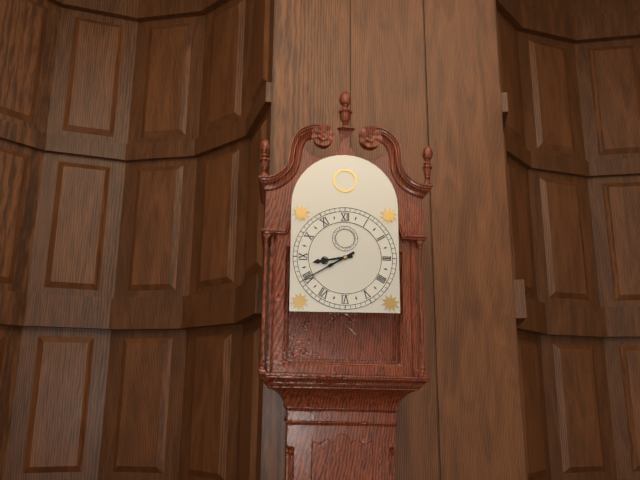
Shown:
8.40
